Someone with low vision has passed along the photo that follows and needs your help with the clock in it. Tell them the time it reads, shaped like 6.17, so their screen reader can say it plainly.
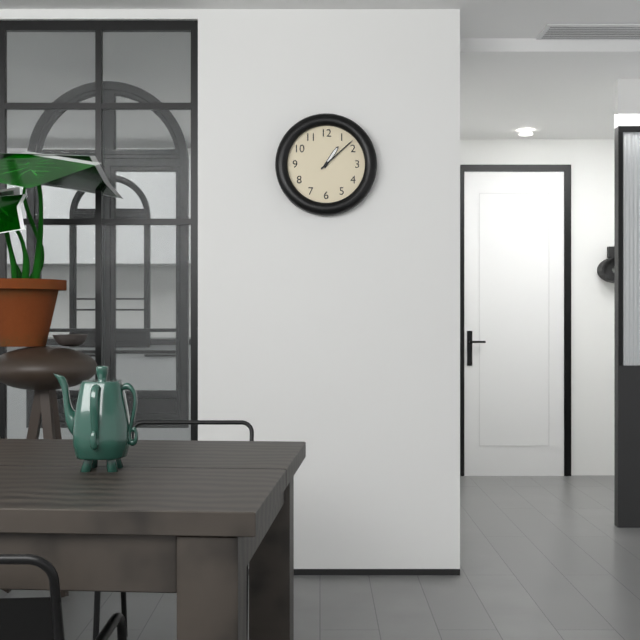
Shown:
1.08
